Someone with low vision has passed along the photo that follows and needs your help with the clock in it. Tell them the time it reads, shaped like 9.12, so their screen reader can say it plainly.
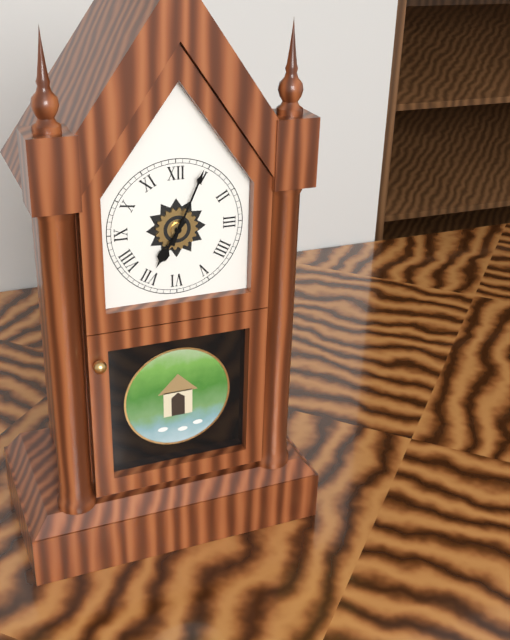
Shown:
7.04
